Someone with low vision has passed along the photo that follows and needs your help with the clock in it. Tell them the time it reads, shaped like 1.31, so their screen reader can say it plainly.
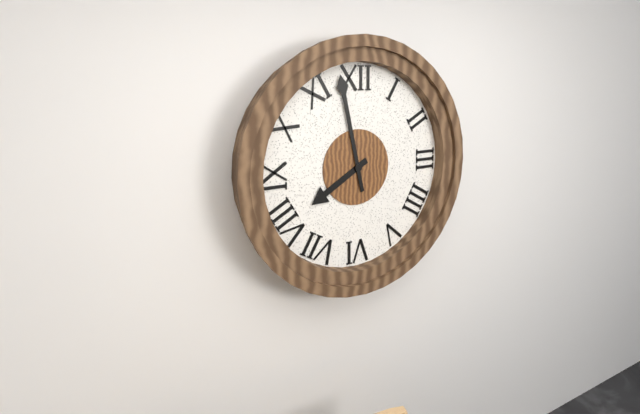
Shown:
7.58
